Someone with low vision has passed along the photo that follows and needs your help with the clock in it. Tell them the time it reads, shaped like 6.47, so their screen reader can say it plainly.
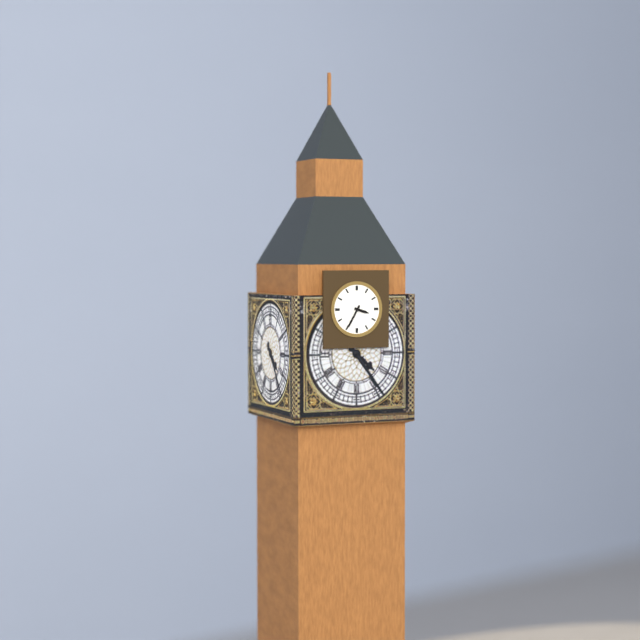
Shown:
3.35
